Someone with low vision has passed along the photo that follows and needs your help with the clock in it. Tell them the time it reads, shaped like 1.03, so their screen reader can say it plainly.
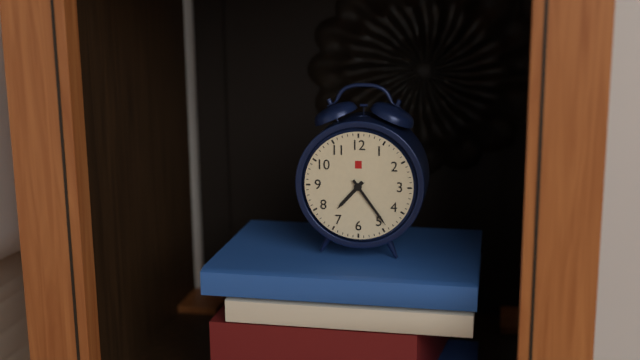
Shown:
7.24
